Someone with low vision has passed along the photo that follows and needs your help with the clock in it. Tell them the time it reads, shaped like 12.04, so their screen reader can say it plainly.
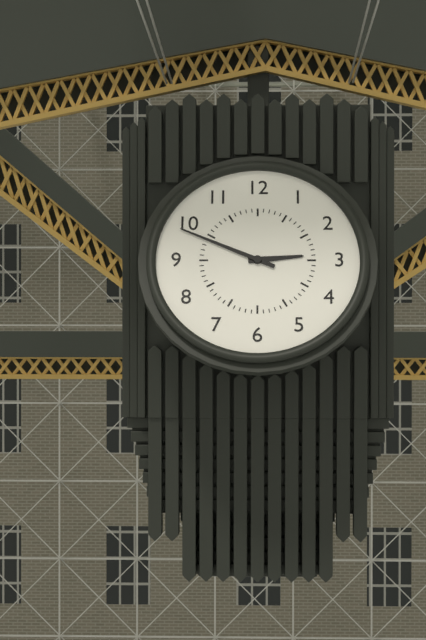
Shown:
2.49
